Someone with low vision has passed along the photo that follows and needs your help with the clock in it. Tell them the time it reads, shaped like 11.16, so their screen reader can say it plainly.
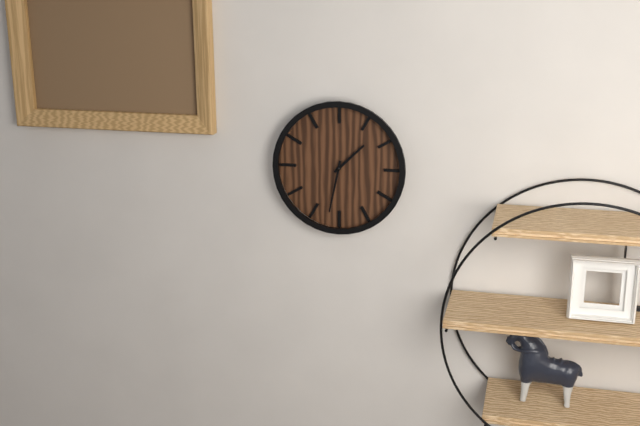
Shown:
1.32
